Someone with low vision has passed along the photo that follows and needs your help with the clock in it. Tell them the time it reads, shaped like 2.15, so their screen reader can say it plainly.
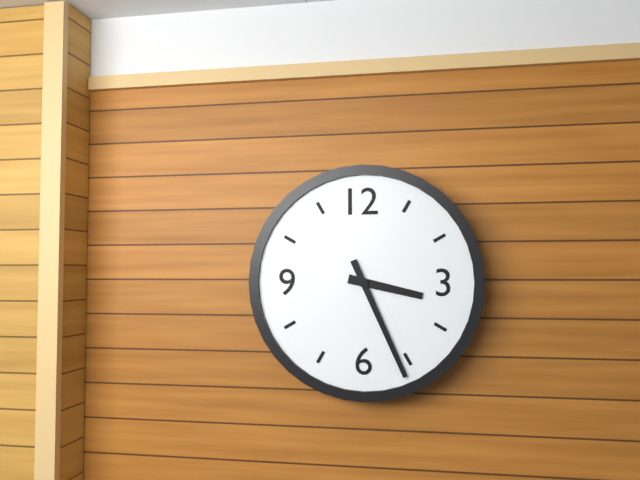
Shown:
3.26
